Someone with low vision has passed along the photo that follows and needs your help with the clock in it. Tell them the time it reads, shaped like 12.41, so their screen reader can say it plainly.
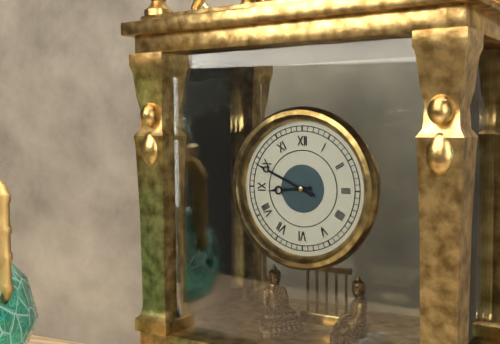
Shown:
8.49
